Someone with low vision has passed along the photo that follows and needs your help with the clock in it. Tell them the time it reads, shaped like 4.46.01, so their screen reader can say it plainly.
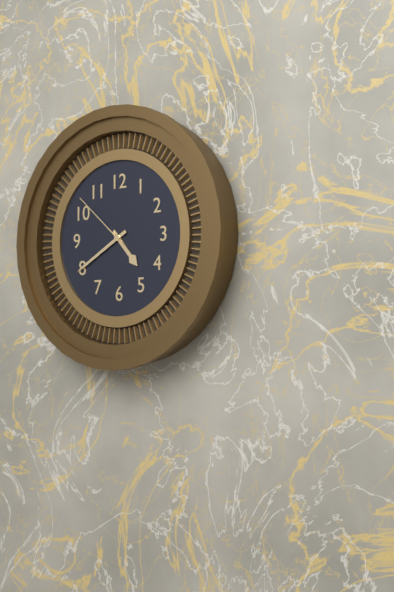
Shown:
4.40.52
